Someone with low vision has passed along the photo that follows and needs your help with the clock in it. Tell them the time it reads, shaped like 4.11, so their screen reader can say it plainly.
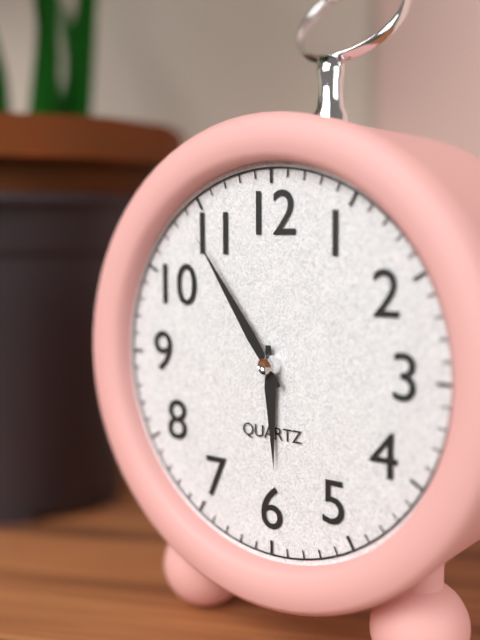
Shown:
5.54
